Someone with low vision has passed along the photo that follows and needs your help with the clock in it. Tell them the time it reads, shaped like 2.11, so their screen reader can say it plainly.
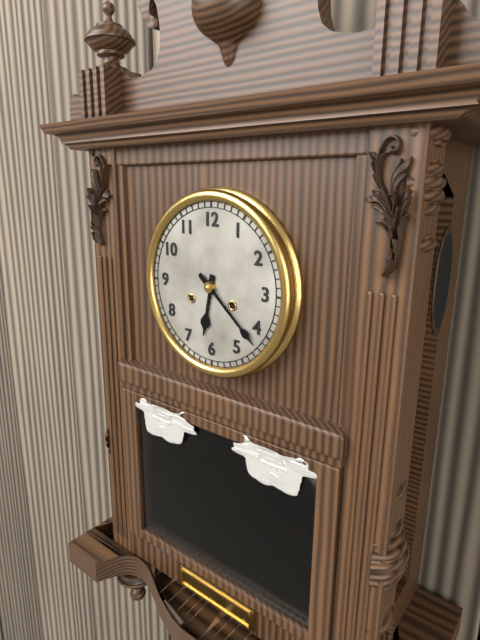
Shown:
6.22
